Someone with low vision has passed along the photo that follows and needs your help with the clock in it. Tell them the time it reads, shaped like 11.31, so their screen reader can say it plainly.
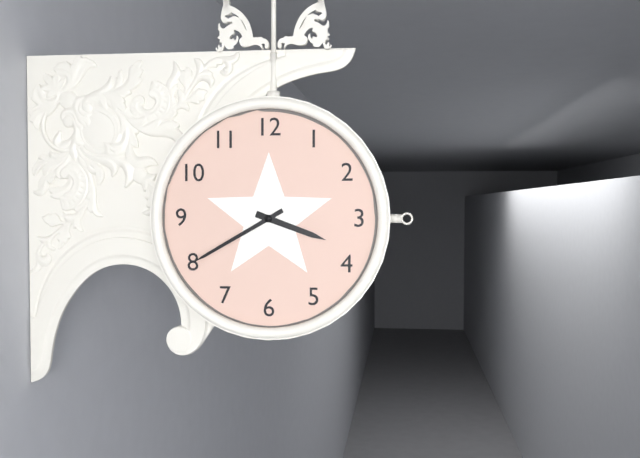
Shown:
3.40
